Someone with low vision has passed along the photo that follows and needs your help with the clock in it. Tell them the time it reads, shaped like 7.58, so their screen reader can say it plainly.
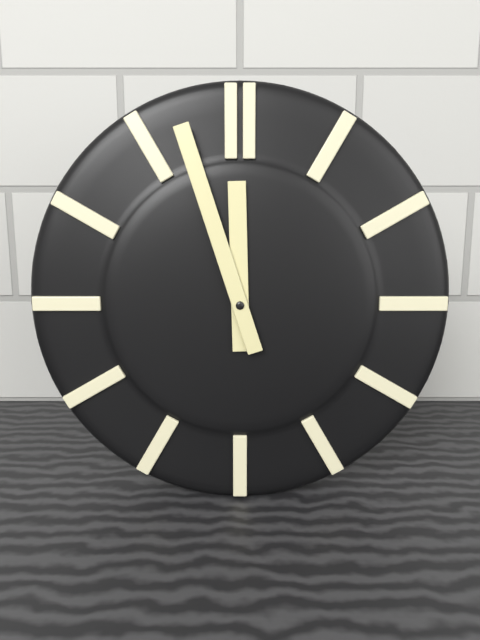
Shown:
11.57
